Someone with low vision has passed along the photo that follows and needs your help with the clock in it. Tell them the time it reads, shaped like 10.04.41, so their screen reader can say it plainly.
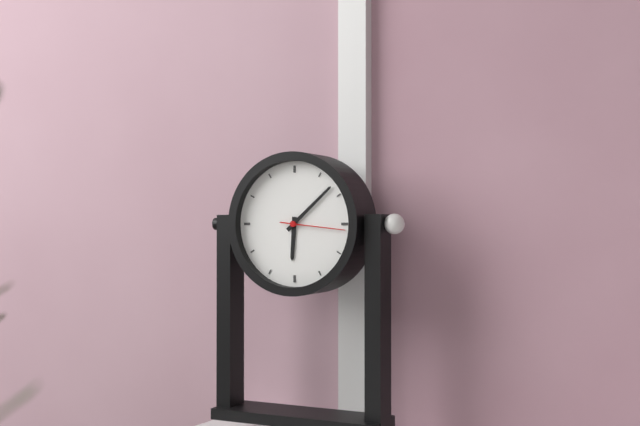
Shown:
6.08.16
